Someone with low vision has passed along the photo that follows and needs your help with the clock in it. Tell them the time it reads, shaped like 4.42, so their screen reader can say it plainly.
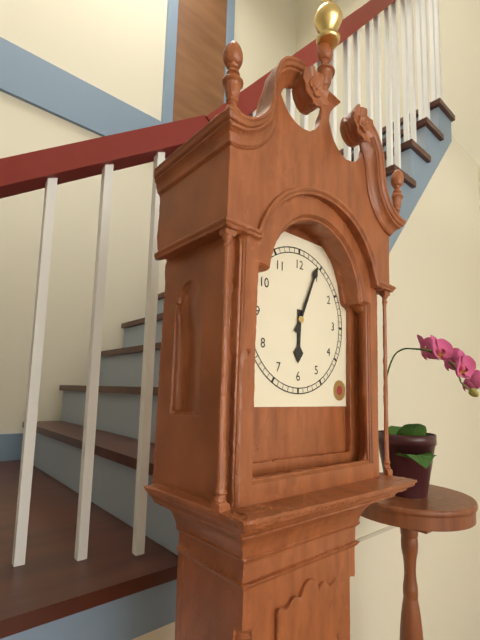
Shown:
6.04
